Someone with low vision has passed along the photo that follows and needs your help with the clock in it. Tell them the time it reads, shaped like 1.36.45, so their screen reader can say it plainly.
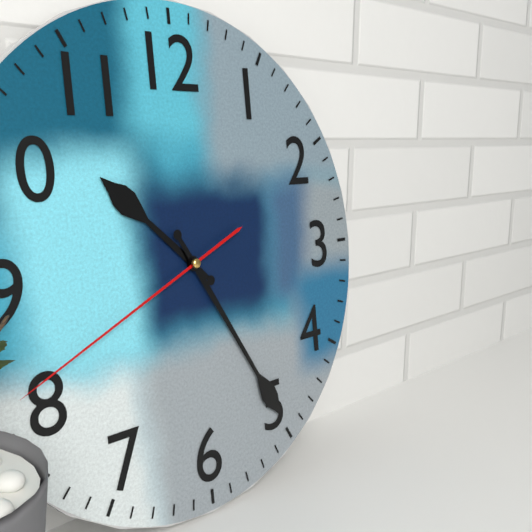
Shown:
10.25.41
